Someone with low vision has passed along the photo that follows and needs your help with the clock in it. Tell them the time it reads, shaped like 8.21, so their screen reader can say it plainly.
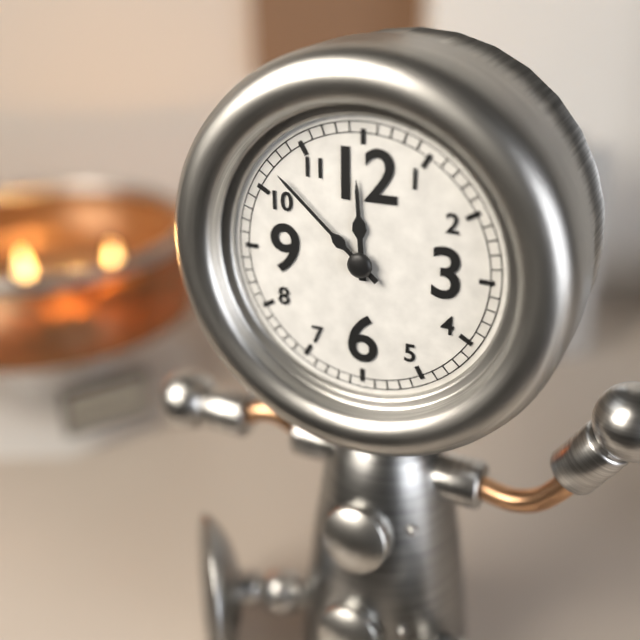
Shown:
11.52
